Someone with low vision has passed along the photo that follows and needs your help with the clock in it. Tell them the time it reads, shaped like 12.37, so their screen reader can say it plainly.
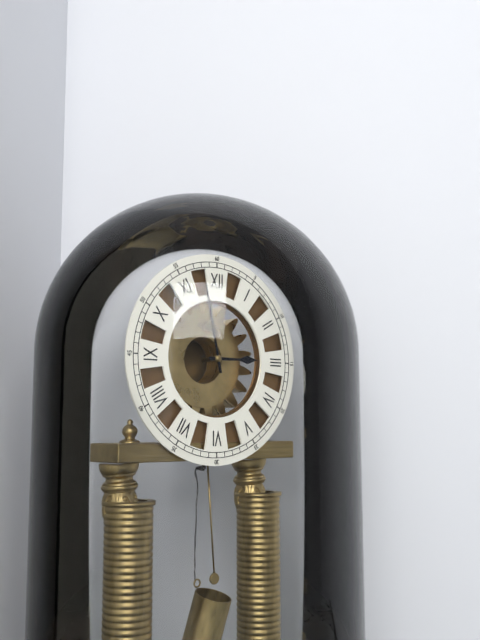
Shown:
2.58
